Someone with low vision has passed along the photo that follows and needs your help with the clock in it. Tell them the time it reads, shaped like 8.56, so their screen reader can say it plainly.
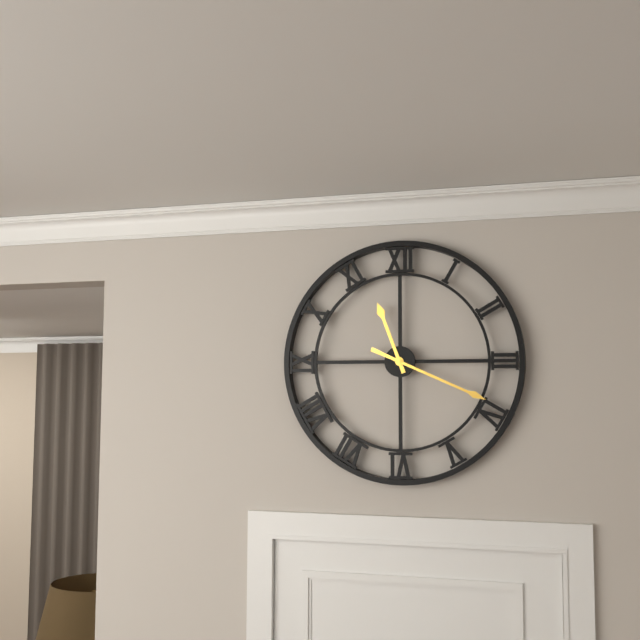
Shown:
11.19
